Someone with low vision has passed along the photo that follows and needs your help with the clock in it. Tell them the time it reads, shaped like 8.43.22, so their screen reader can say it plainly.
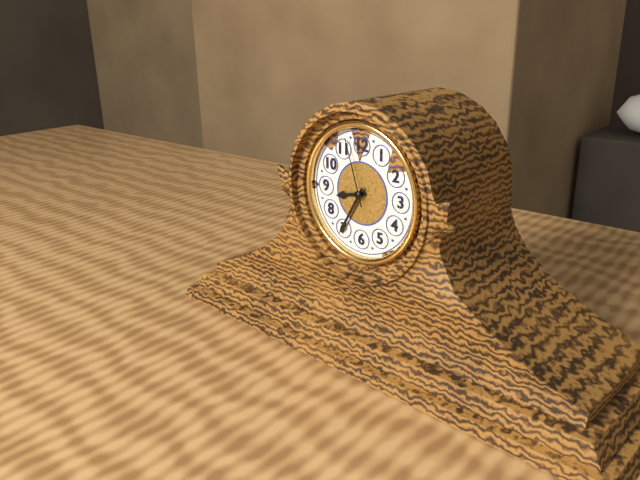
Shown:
8.35.57
